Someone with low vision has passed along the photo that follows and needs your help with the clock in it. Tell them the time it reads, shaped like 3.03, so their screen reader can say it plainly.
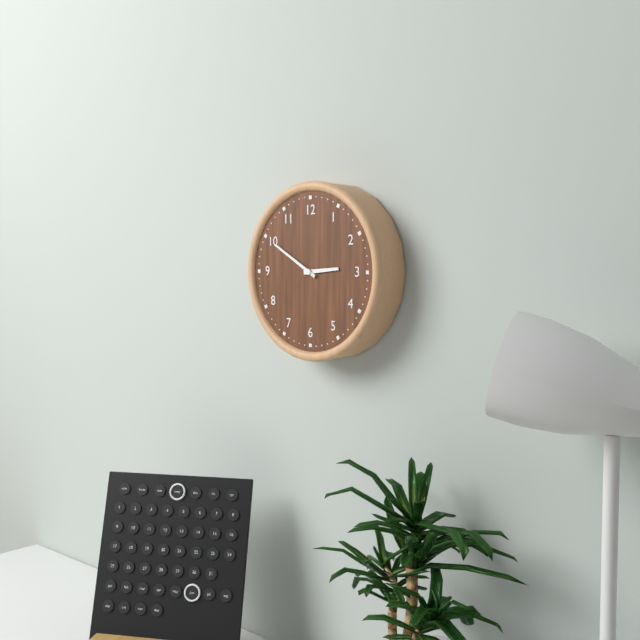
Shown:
2.50
